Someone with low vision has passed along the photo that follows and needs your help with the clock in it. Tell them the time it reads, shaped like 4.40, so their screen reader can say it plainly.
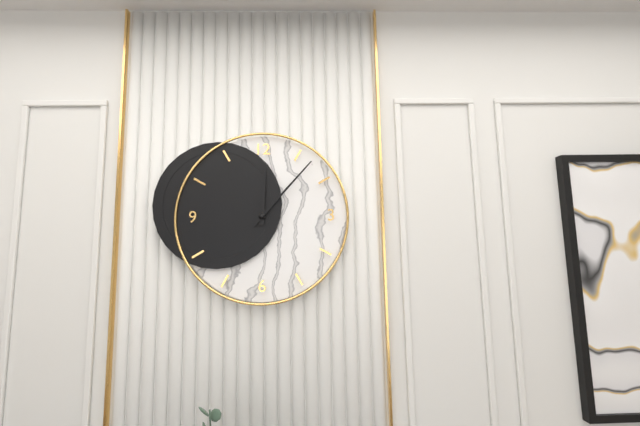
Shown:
12.07
